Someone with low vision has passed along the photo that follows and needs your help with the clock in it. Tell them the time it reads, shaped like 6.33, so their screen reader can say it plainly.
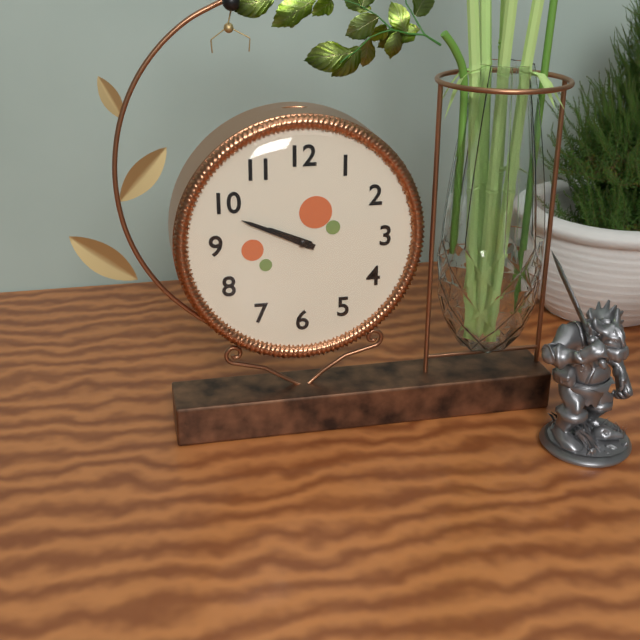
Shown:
9.49
